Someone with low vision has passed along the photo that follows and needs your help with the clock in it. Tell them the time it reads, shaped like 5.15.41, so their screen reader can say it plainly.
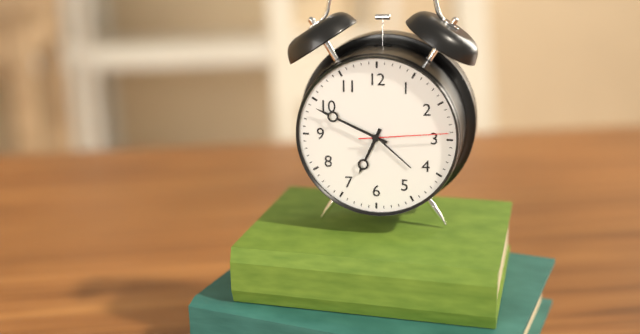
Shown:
6.49.14
